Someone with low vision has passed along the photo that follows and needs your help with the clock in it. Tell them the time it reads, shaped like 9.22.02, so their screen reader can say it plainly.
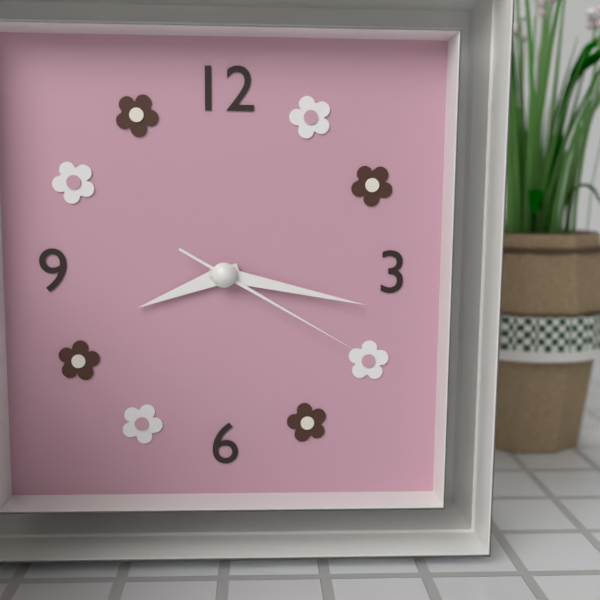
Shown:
8.17.20
